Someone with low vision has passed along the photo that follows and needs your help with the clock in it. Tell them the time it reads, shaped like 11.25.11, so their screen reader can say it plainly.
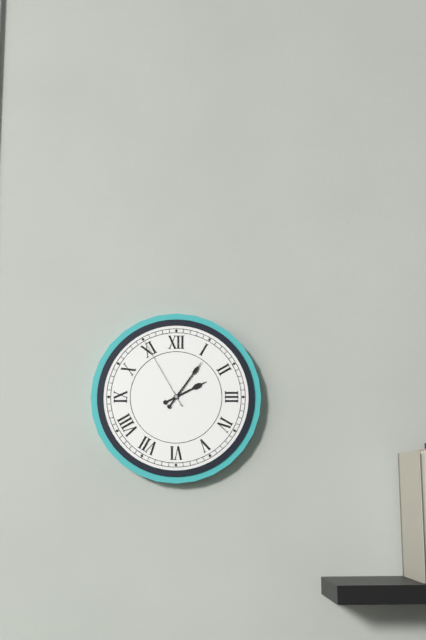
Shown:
2.06.55
